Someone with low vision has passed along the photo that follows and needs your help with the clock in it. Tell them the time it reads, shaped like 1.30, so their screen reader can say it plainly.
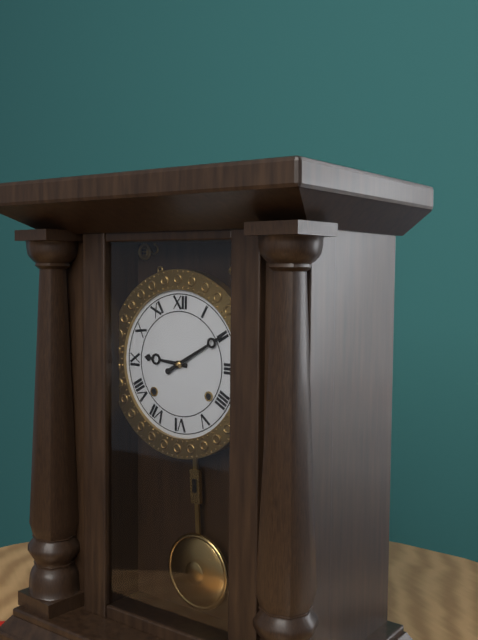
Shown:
9.10
